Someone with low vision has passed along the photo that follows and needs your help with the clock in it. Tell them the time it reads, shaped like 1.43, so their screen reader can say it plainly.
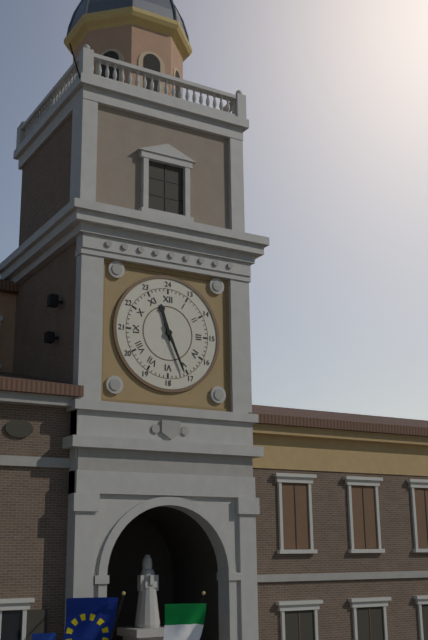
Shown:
11.26
